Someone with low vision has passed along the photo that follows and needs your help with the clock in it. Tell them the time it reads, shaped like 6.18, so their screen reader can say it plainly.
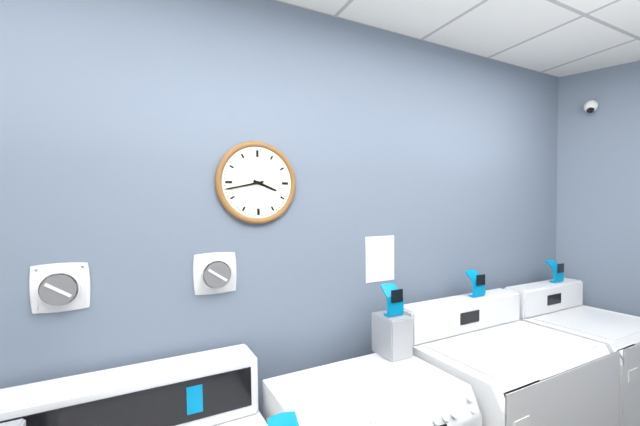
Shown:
3.43
